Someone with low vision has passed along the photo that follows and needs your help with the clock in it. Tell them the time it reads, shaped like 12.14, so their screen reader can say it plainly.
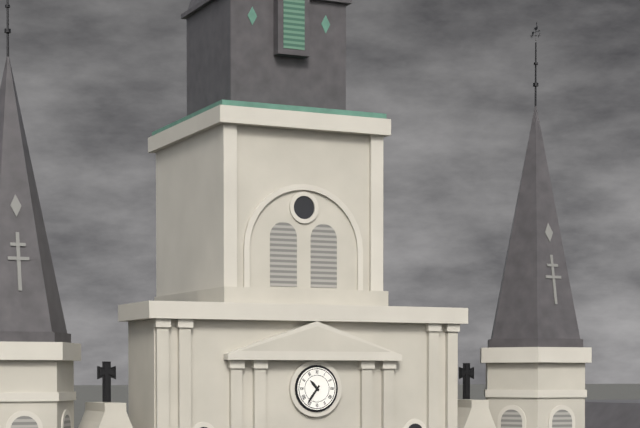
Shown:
10.36
